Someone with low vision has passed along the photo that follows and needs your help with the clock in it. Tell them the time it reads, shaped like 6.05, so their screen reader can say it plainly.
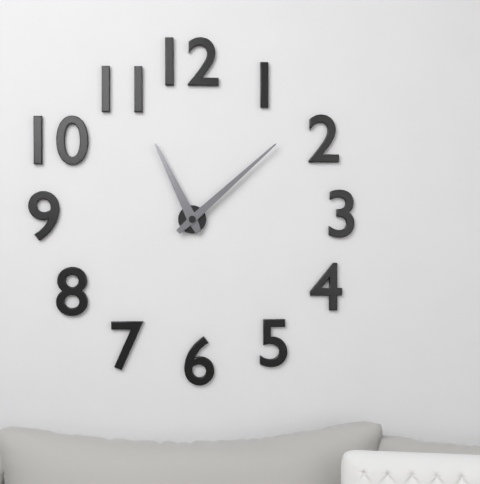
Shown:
11.08
